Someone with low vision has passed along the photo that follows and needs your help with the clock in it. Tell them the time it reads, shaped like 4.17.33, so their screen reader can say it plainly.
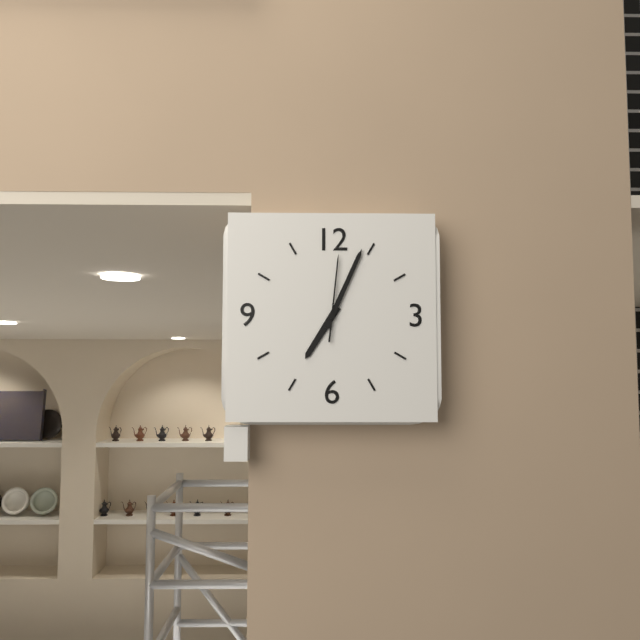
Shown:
7.04.01
